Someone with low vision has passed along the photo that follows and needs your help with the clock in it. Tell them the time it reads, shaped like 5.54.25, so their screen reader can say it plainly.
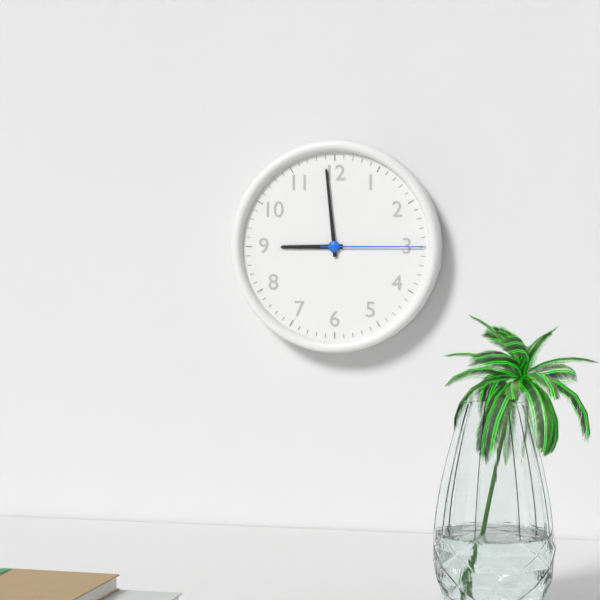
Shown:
8.59.15
